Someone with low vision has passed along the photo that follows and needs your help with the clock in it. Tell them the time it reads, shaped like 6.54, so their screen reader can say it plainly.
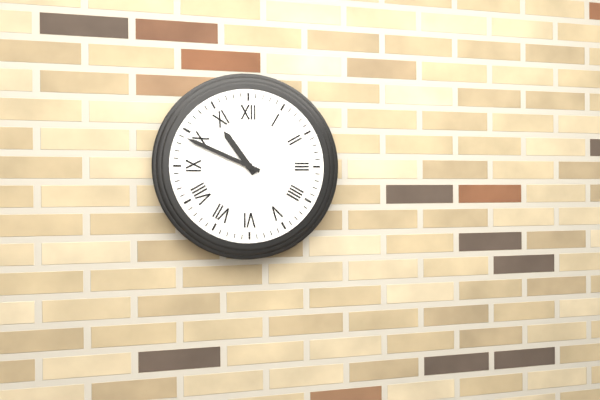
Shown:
10.49
